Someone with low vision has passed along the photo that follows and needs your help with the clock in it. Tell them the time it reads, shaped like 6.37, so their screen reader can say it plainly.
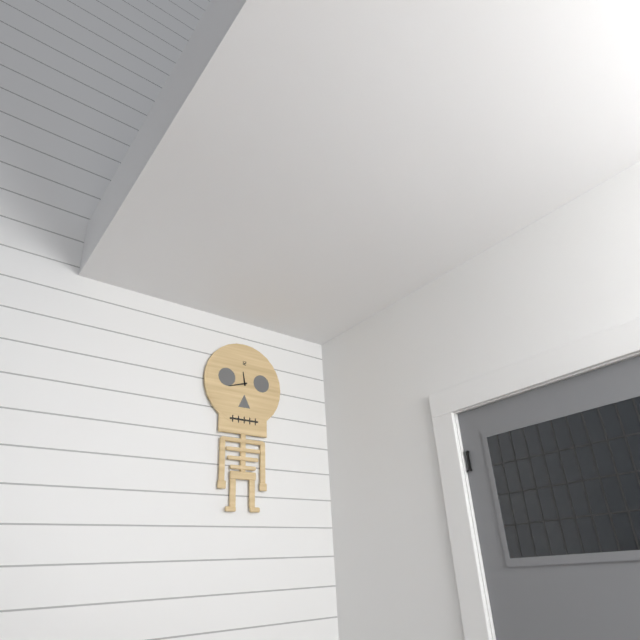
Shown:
11.42
